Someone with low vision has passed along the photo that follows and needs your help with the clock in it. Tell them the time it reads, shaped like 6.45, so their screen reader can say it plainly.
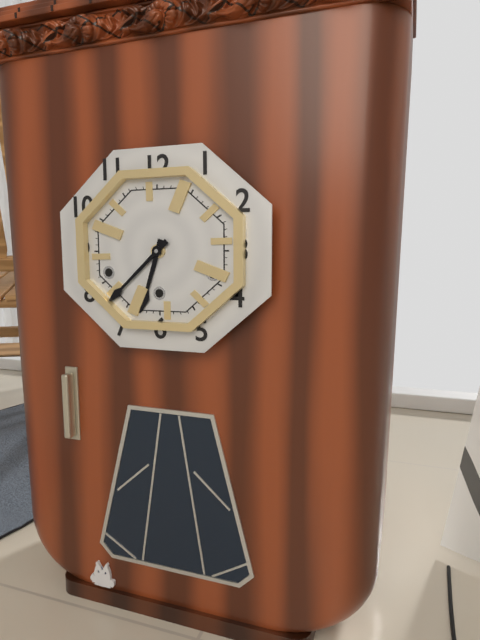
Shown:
6.38
